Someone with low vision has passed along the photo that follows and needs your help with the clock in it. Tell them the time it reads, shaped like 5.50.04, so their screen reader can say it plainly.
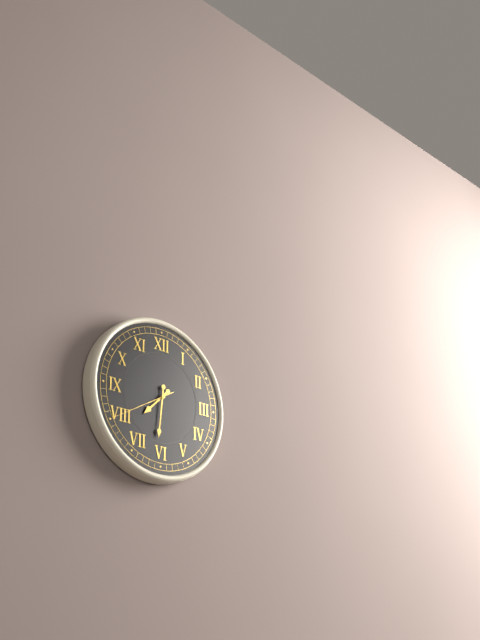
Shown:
7.31.40
